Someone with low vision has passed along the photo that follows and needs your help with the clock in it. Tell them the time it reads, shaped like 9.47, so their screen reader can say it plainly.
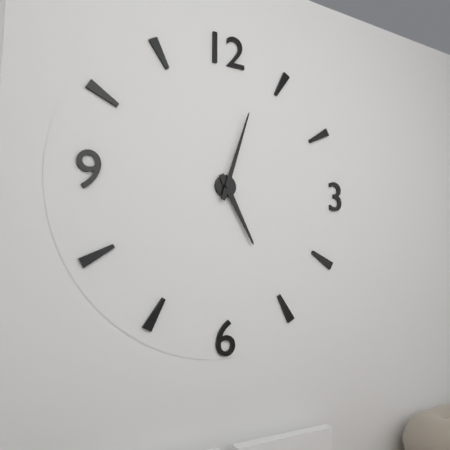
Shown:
5.03
